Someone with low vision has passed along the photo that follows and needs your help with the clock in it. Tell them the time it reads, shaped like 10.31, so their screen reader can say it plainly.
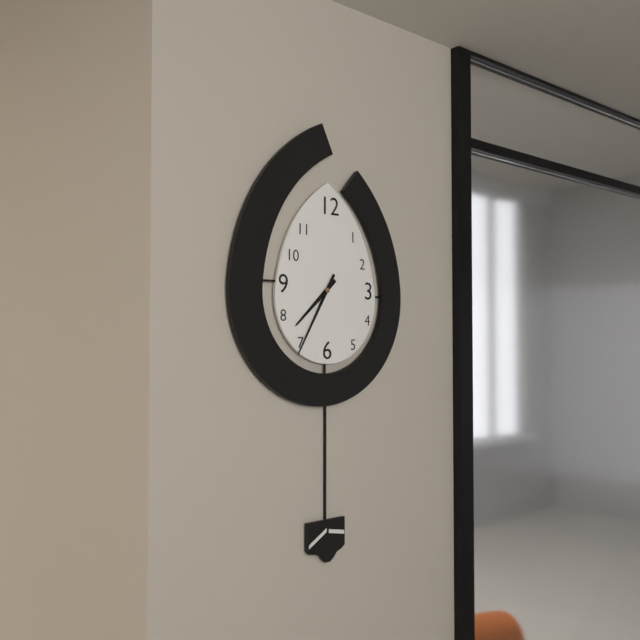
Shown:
7.35
